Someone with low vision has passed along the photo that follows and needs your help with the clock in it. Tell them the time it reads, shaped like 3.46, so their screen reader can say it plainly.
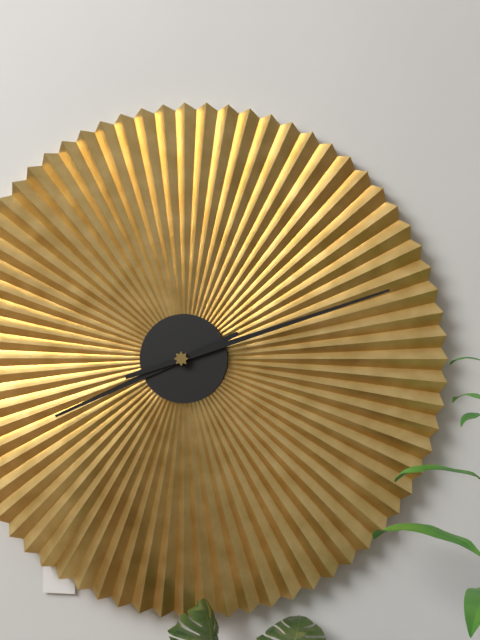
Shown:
8.12
